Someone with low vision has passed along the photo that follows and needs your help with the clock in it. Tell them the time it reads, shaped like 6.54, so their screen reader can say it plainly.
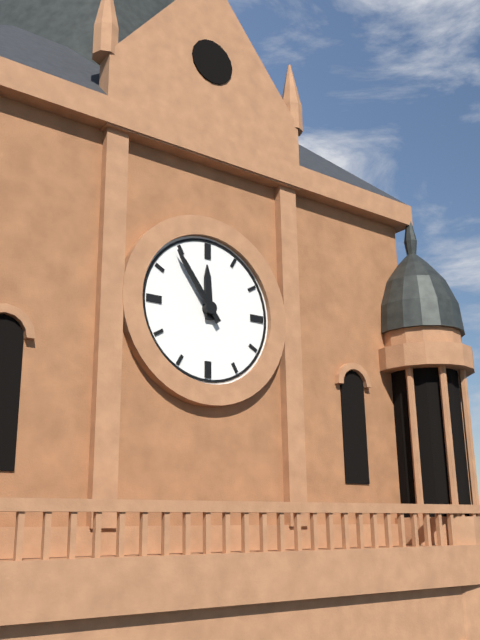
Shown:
11.54
